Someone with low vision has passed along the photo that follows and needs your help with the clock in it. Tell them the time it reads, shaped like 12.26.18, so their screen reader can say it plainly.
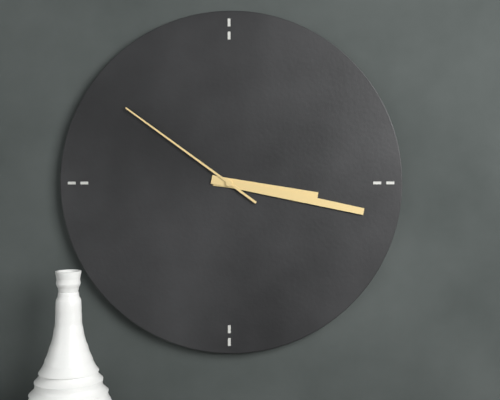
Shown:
3.17.51
